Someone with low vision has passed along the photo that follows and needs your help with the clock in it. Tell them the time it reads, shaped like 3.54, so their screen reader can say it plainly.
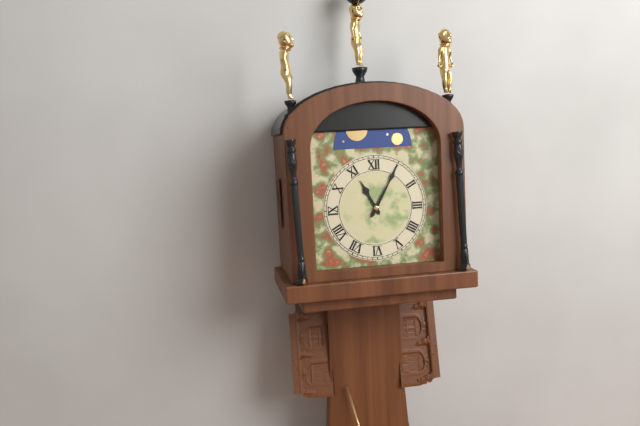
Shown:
11.05
